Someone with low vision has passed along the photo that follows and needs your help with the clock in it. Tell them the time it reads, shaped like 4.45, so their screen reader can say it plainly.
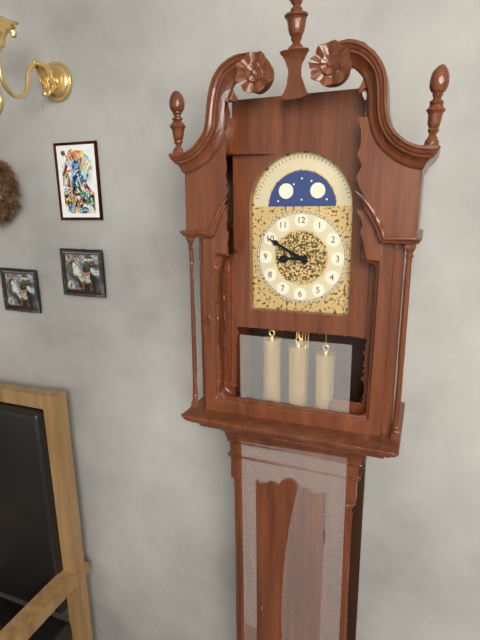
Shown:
8.50
